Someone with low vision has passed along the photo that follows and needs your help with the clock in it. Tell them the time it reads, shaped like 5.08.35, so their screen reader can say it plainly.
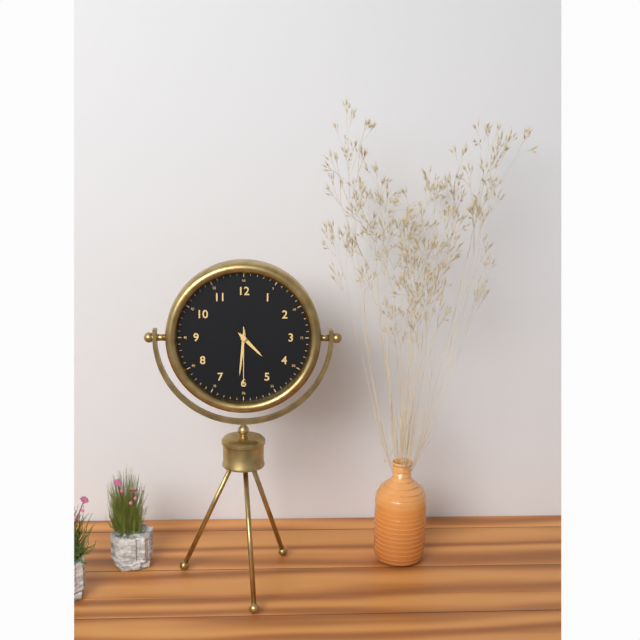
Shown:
4.31.30
